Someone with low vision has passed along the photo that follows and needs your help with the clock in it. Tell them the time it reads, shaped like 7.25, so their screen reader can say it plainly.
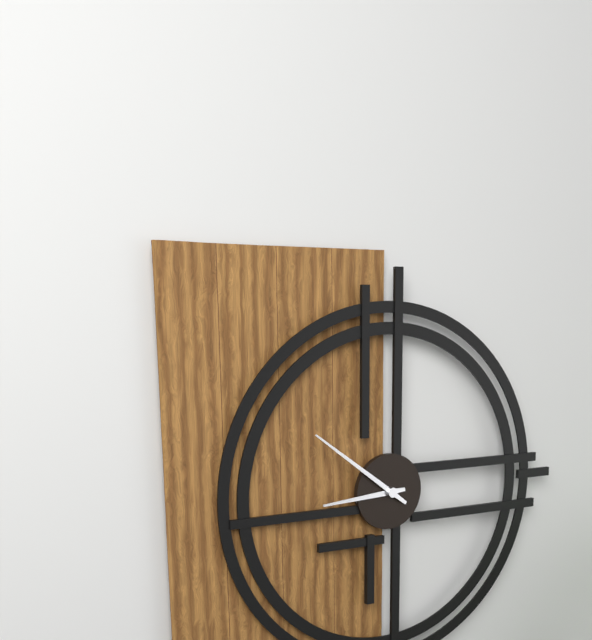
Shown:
8.51
